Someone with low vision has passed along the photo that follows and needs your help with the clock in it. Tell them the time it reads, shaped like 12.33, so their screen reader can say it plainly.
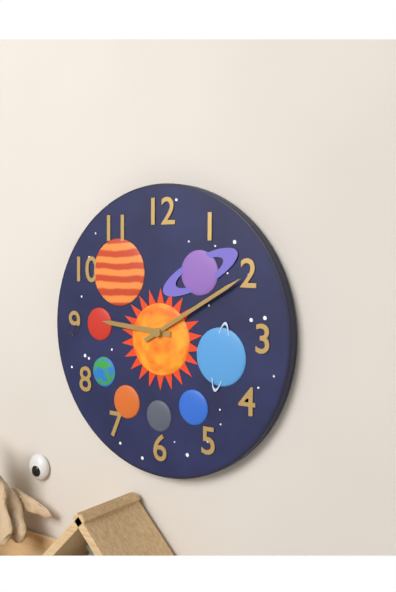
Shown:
9.10
